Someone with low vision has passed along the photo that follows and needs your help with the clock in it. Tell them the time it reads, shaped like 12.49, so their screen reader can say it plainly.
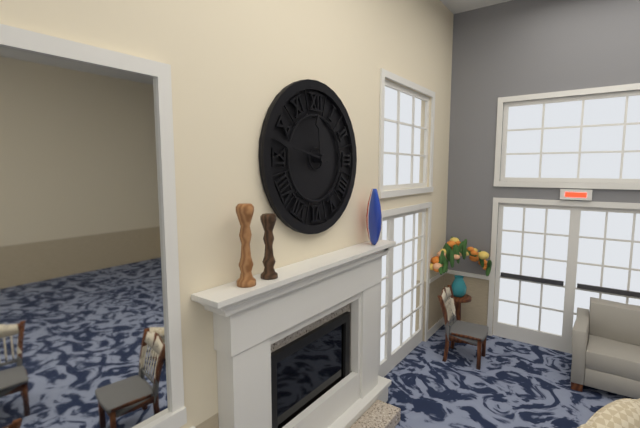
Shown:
11.47
